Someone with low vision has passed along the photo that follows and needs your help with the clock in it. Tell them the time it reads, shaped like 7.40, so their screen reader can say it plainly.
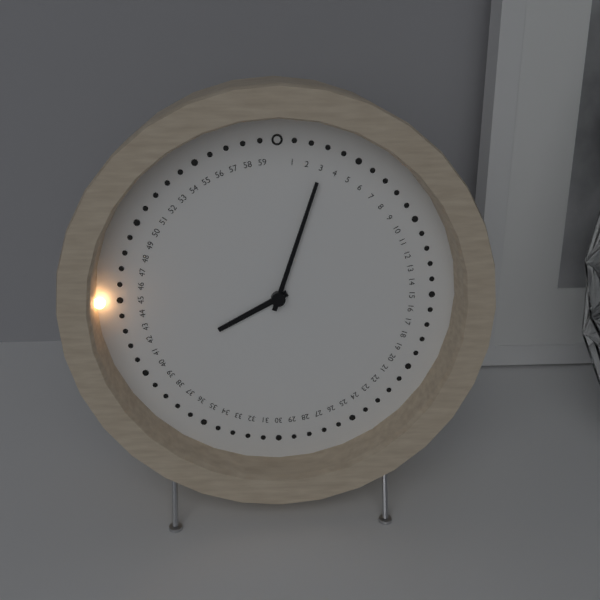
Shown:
8.03
